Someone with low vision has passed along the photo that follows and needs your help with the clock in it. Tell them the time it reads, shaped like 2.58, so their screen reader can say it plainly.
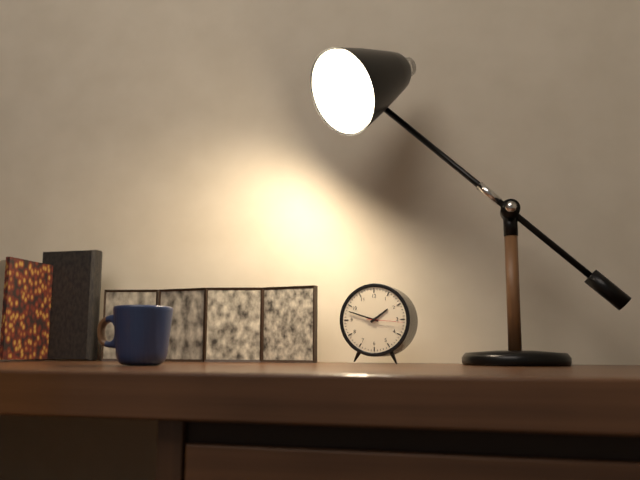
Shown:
1.48
